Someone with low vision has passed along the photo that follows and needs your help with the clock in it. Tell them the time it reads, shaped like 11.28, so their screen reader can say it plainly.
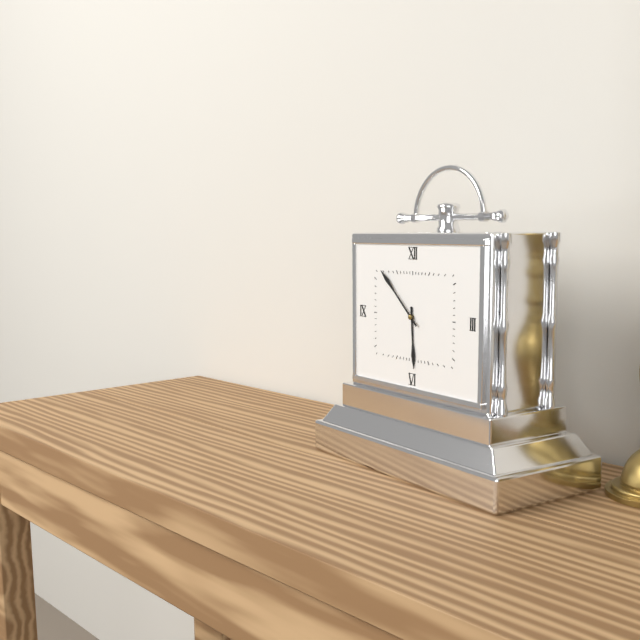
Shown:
5.52
